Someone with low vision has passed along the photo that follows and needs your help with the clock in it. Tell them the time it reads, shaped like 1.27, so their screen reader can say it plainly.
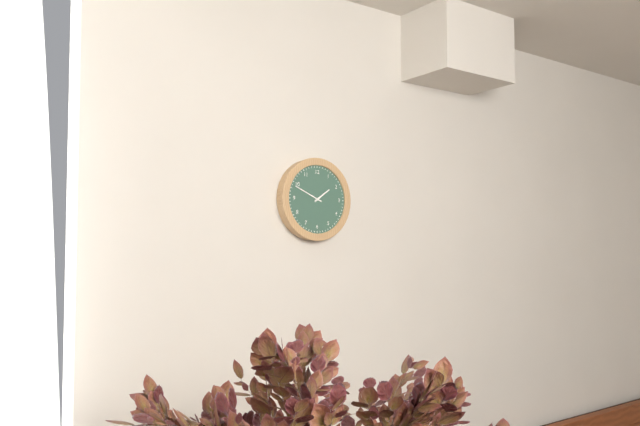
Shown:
1.49
